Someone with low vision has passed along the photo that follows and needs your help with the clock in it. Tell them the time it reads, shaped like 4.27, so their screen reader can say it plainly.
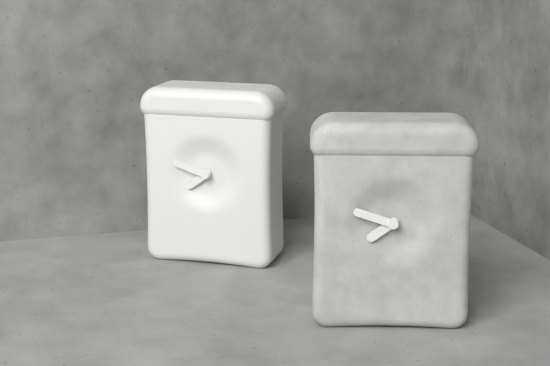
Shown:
7.48
